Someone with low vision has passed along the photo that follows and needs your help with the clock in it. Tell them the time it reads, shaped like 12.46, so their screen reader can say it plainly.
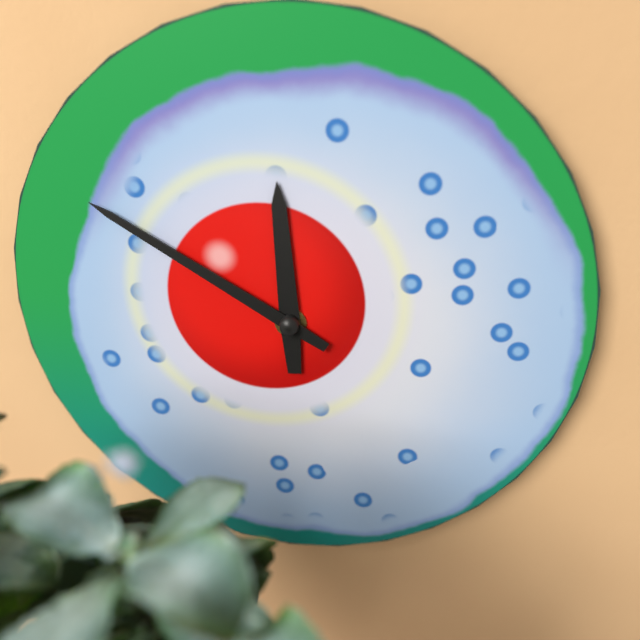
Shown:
11.50
